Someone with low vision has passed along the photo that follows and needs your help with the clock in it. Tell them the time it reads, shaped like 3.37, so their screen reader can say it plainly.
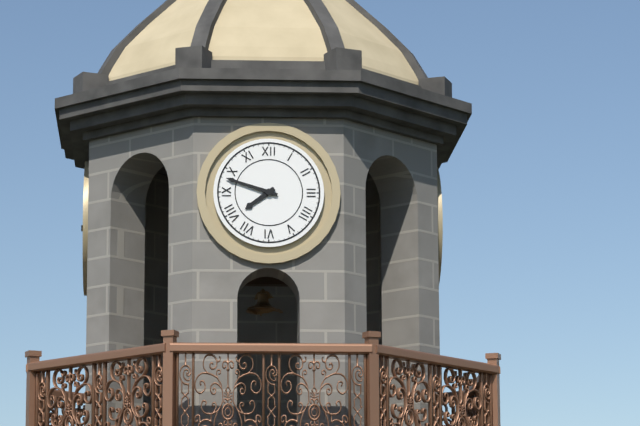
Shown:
7.48
